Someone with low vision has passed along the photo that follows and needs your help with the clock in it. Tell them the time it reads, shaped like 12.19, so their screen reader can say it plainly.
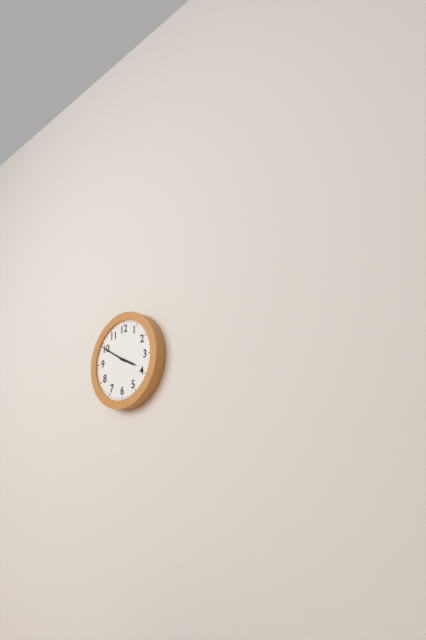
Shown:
3.50
